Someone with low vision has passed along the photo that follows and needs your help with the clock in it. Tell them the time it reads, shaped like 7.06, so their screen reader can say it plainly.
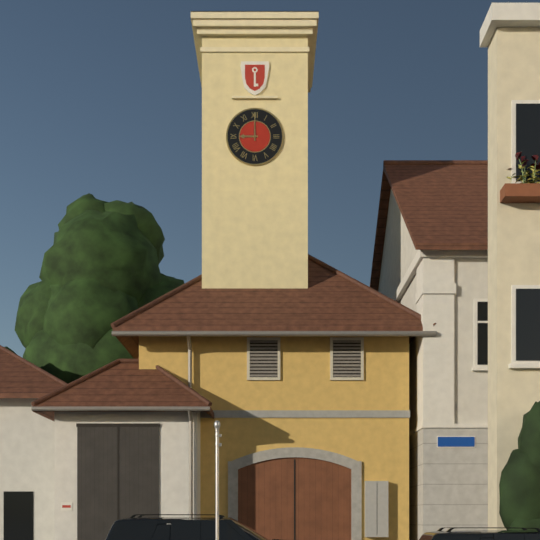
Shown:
9.00
